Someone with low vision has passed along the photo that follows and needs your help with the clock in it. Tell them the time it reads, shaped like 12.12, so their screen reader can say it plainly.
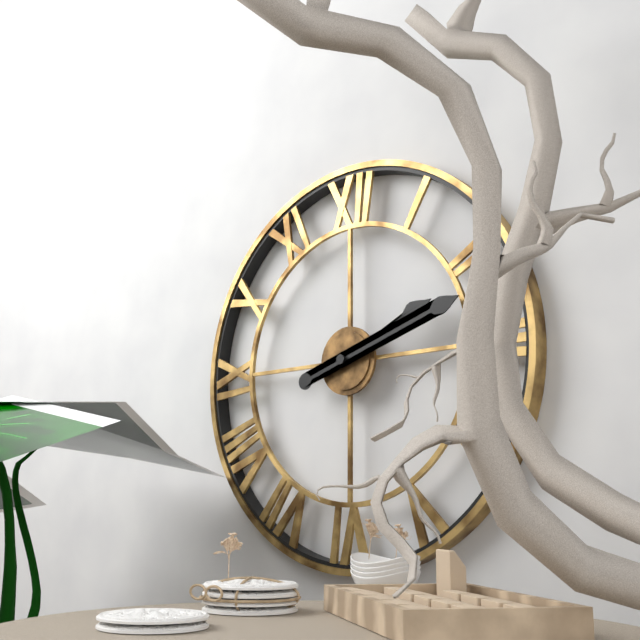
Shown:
2.12
